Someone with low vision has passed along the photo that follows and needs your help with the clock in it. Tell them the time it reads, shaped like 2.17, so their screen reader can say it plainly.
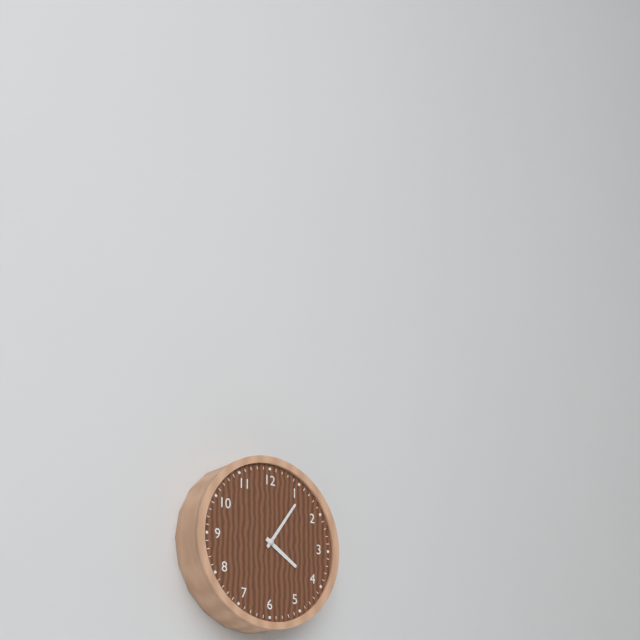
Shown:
4.06
